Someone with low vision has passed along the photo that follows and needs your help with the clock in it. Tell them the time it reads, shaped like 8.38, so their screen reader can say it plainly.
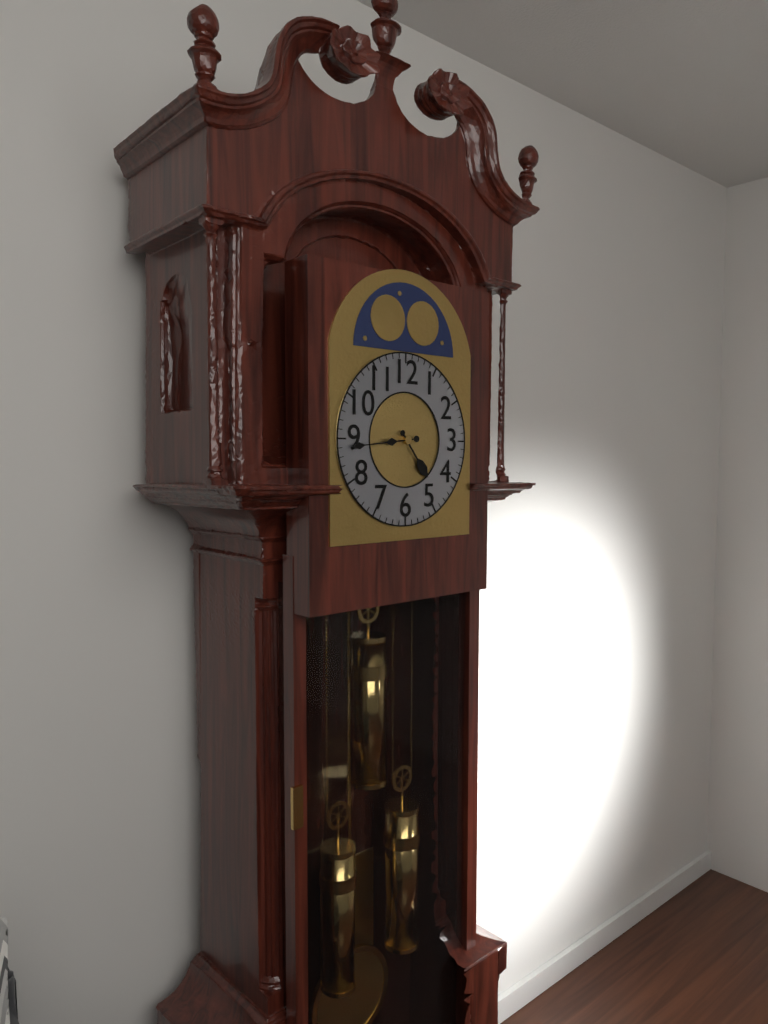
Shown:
4.44
